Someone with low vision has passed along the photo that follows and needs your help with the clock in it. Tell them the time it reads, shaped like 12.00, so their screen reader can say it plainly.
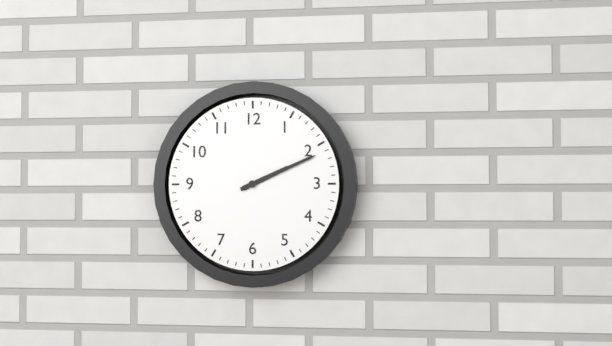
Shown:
2.11
